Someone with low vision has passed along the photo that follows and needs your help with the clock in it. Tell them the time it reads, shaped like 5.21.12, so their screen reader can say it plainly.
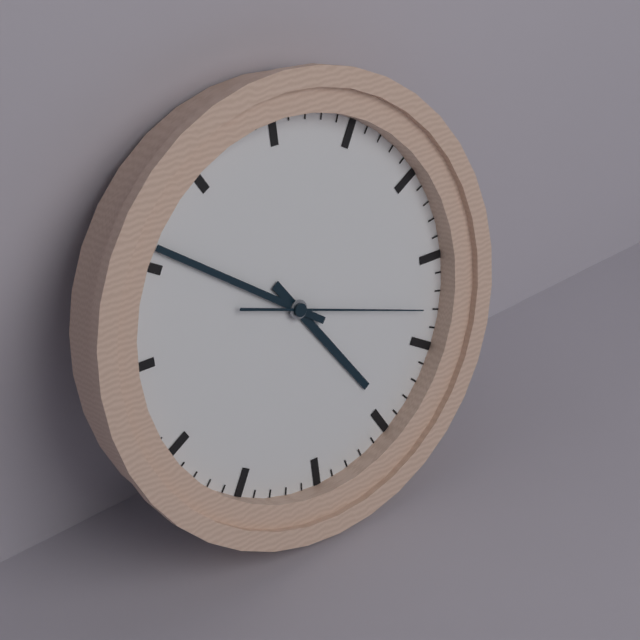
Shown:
4.51.18
